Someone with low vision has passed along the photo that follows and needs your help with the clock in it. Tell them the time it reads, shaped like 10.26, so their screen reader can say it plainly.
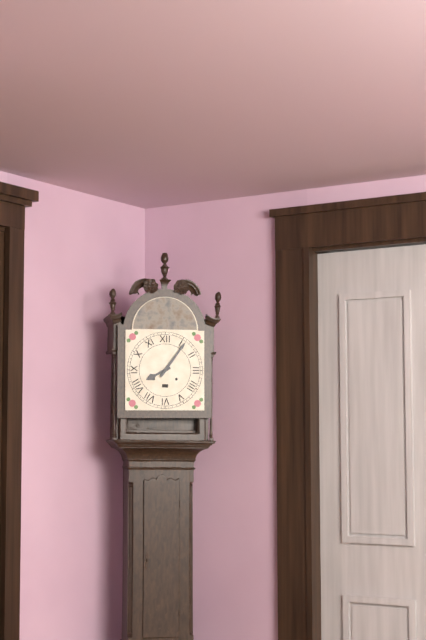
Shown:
8.06
